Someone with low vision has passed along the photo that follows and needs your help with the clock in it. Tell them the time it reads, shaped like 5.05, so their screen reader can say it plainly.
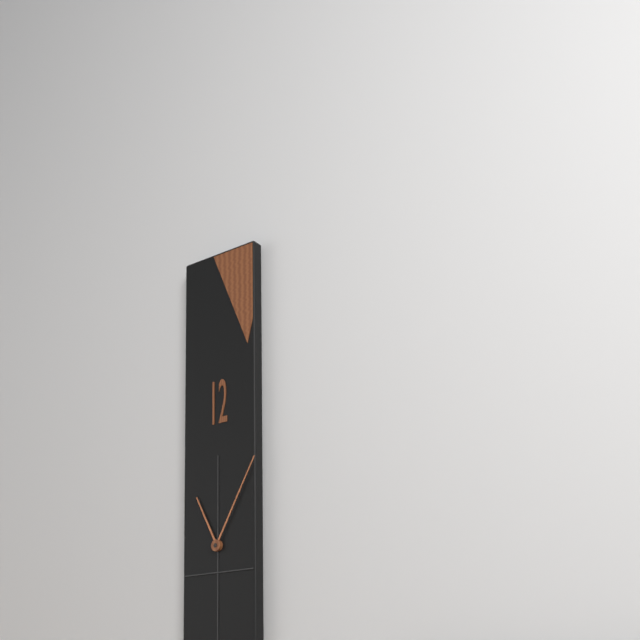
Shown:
11.05
